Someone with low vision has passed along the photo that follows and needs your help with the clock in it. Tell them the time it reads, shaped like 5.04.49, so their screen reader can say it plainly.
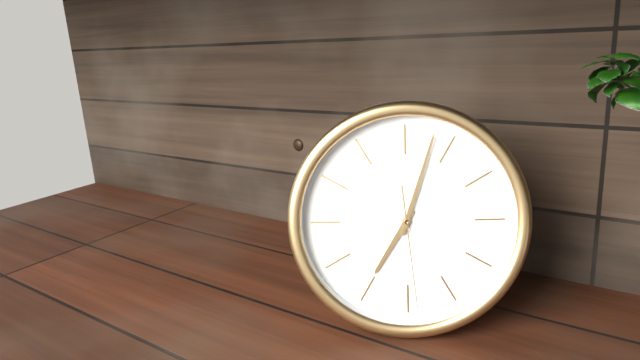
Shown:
7.03.29
